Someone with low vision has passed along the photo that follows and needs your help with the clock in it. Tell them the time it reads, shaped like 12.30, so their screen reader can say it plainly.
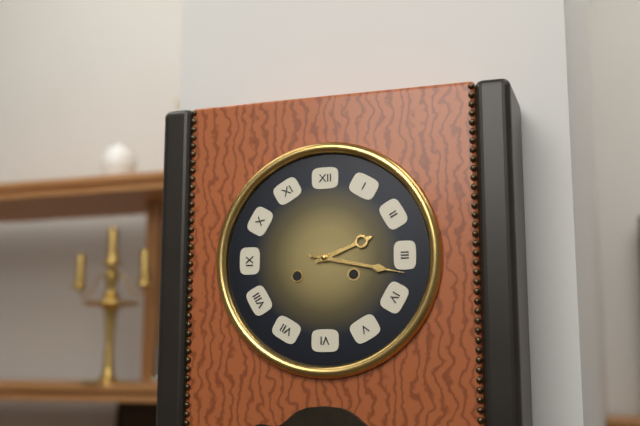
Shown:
2.17
